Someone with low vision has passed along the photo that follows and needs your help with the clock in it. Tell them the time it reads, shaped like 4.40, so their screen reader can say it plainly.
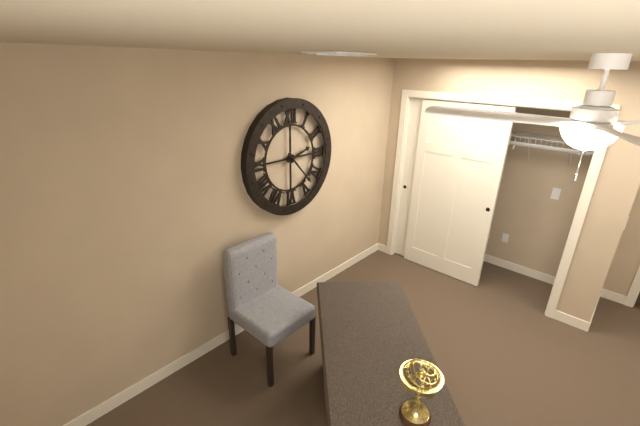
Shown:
2.23
